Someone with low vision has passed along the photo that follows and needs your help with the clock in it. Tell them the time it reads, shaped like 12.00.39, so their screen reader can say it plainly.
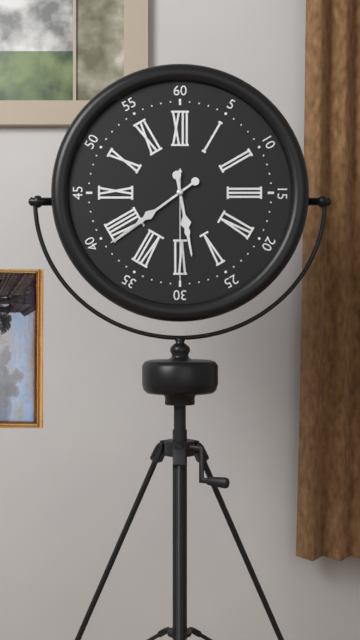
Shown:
5.39.30
